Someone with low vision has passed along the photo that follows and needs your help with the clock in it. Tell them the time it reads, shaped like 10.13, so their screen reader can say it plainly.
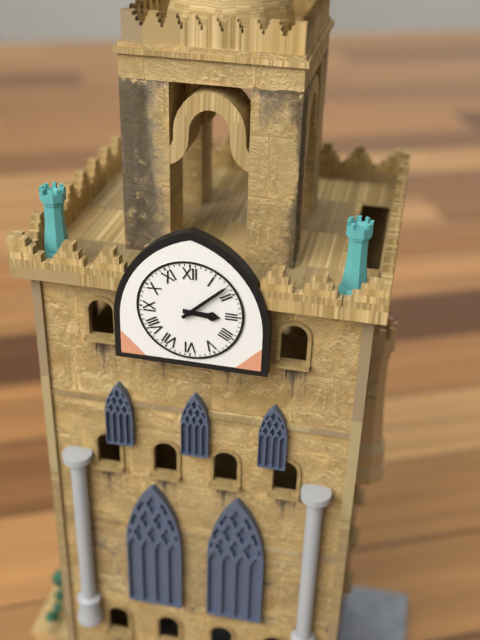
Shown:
3.08
